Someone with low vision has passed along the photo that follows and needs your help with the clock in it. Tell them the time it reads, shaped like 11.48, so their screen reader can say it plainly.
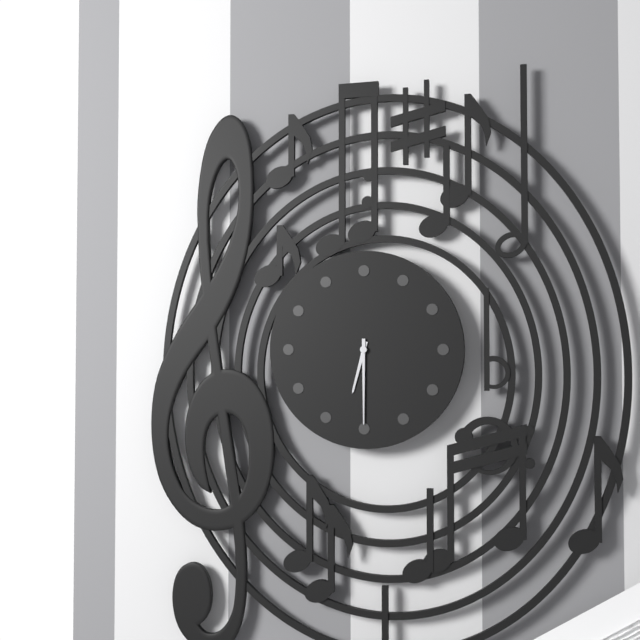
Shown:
6.30
